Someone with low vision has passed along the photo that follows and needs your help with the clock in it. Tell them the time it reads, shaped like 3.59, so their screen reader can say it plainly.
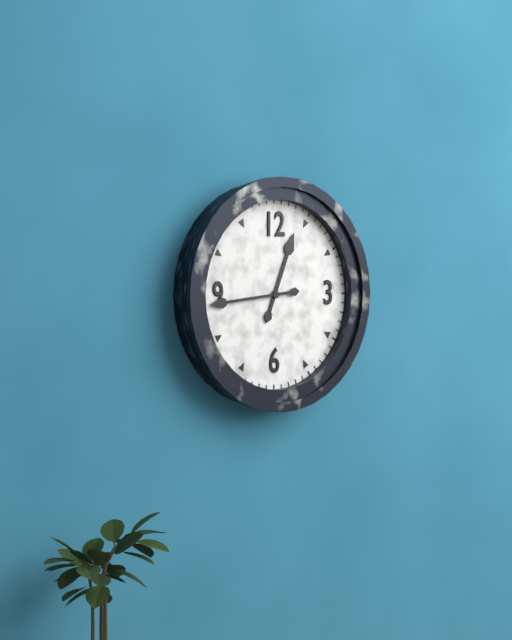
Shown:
12.44
